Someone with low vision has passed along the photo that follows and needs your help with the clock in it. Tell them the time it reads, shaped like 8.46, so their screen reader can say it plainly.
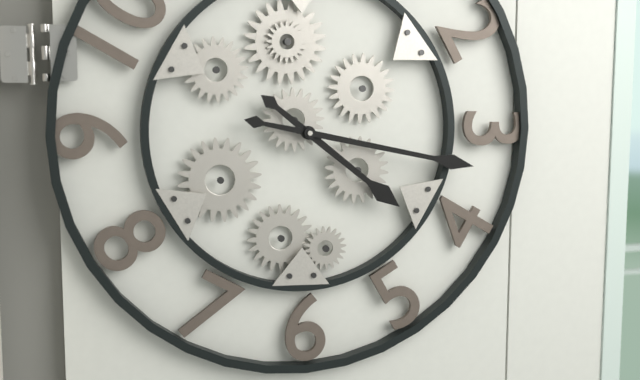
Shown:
4.17
